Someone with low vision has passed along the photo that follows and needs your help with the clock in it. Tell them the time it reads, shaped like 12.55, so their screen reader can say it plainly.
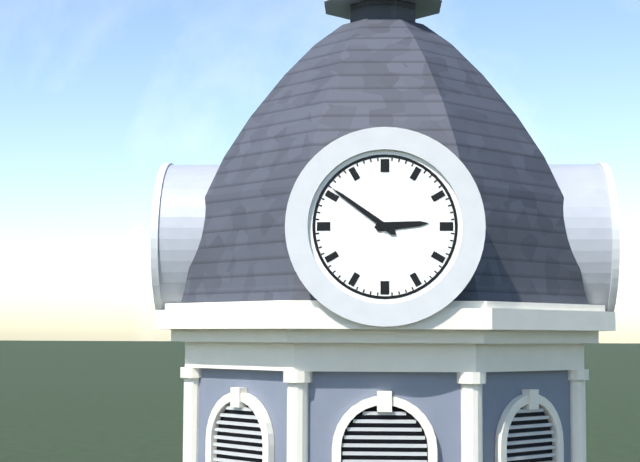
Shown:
2.51
